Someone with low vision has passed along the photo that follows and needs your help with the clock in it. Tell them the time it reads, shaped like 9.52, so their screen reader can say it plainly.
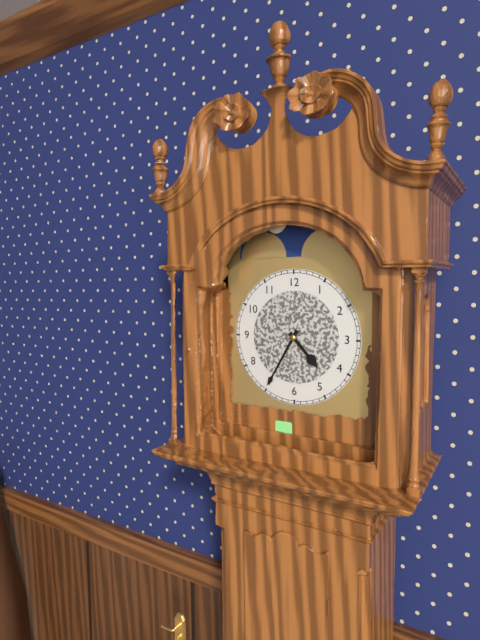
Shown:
4.35
